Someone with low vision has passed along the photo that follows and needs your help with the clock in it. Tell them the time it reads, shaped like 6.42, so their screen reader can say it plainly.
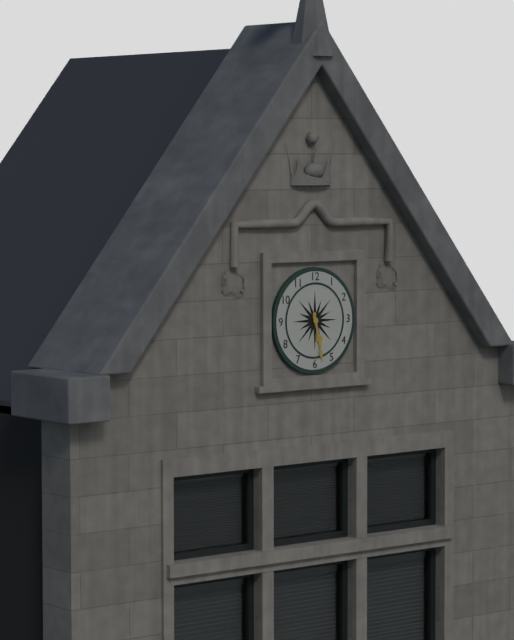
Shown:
5.28
